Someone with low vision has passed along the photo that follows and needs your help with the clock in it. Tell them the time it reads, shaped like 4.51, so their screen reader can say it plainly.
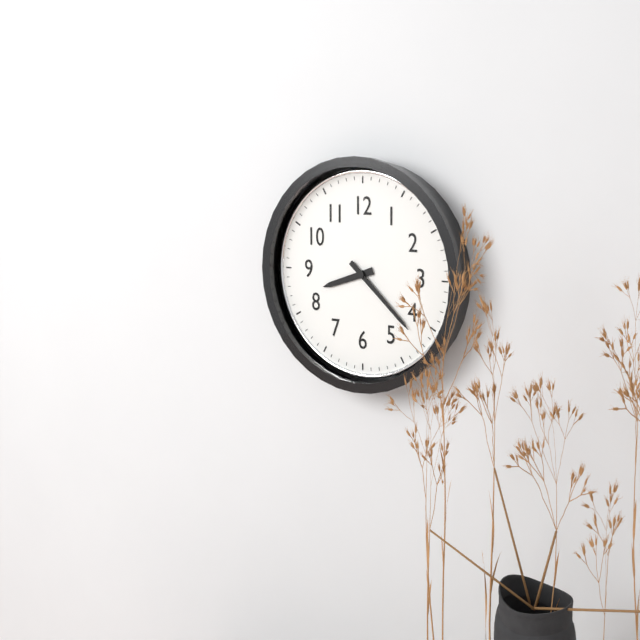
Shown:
8.22
